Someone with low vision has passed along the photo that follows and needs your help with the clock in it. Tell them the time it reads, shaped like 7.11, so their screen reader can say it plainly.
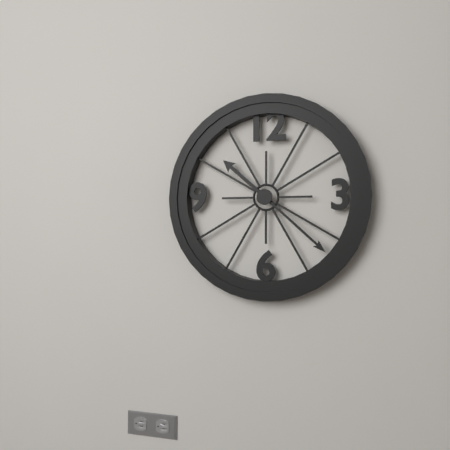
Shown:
10.22
